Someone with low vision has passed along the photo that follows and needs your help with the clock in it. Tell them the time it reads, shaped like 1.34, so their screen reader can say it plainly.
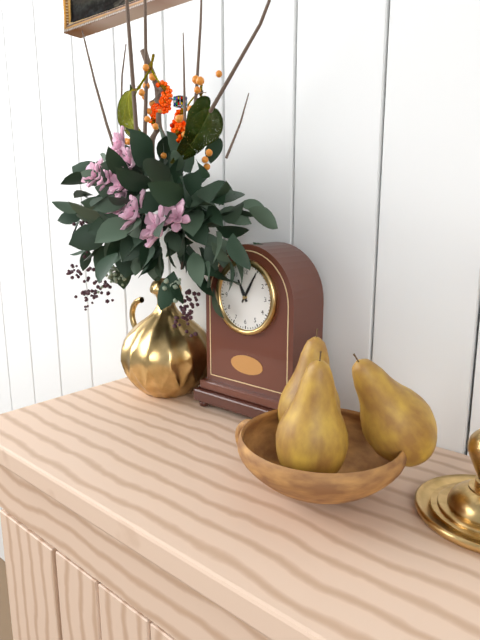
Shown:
11.05
